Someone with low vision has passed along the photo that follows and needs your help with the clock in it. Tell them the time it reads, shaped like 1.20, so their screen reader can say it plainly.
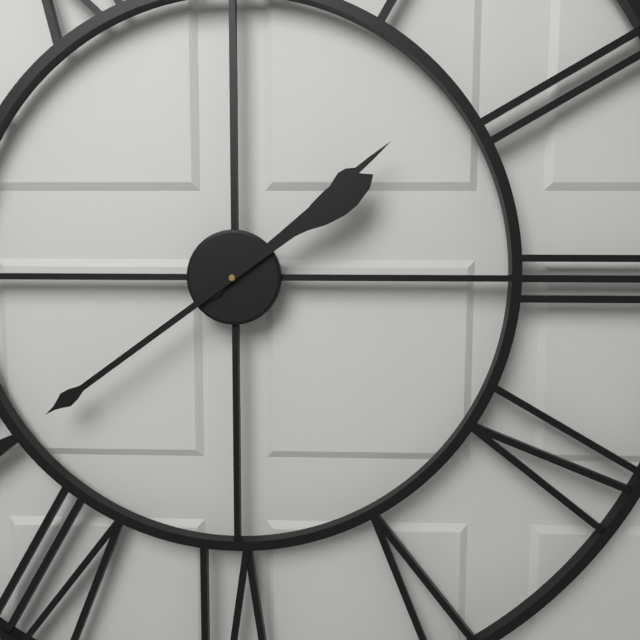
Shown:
1.39
